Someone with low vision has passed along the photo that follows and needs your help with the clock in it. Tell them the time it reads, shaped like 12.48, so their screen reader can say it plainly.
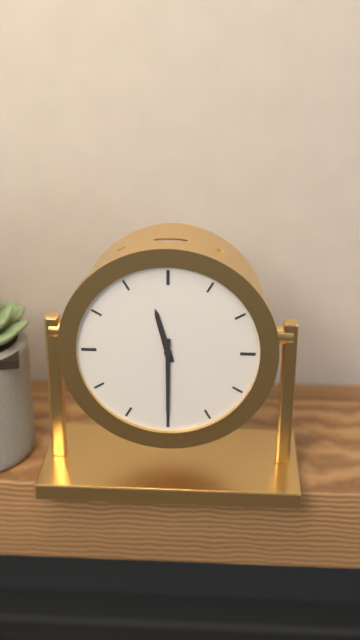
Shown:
11.30
